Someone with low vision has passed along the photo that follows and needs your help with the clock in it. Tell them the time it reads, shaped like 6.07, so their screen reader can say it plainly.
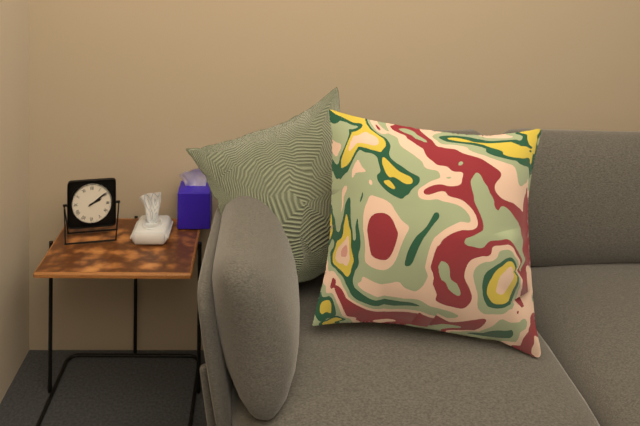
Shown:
2.09
